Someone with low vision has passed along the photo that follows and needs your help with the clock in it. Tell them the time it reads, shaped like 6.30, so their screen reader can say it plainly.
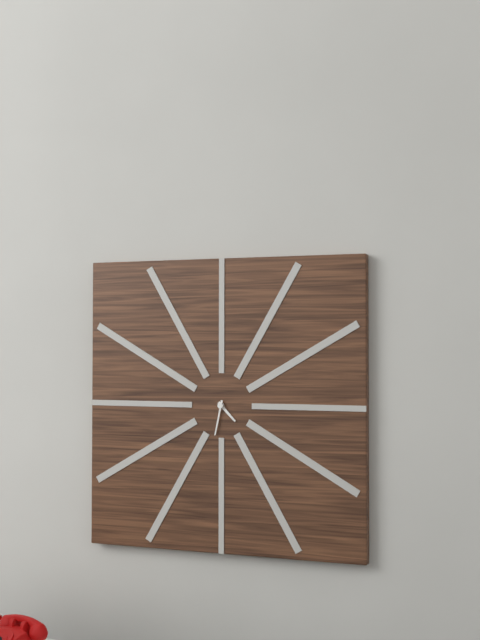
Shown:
4.32
